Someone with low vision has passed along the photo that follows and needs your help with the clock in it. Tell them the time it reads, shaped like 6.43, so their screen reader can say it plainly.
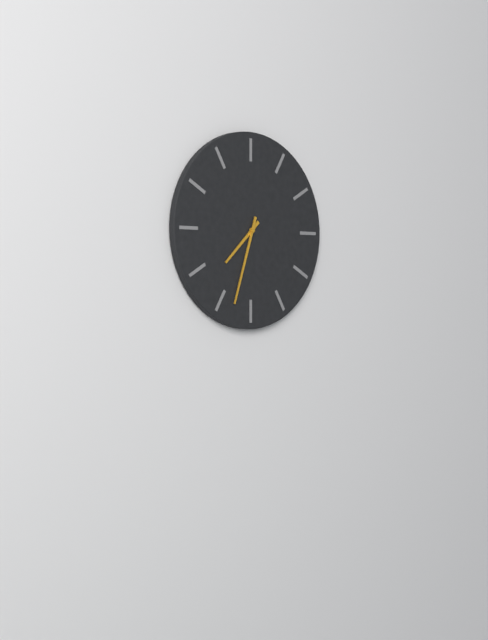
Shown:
7.33
